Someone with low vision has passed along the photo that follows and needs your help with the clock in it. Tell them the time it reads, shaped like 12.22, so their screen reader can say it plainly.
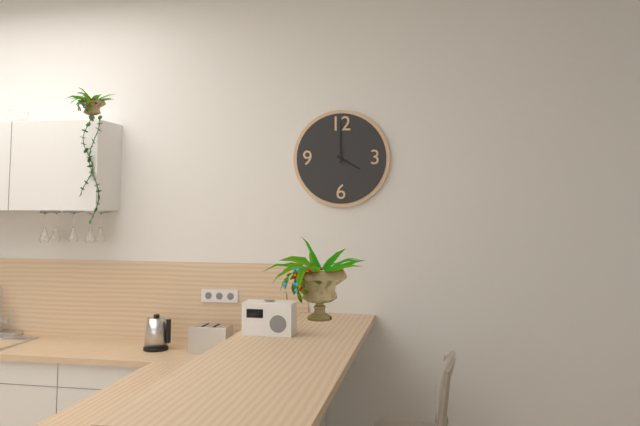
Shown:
4.00
